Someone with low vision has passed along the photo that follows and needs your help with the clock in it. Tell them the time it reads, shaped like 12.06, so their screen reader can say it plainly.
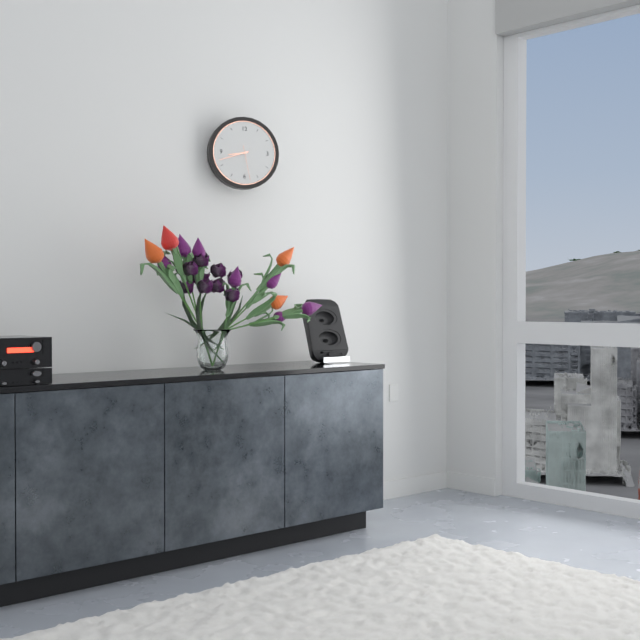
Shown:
8.42
